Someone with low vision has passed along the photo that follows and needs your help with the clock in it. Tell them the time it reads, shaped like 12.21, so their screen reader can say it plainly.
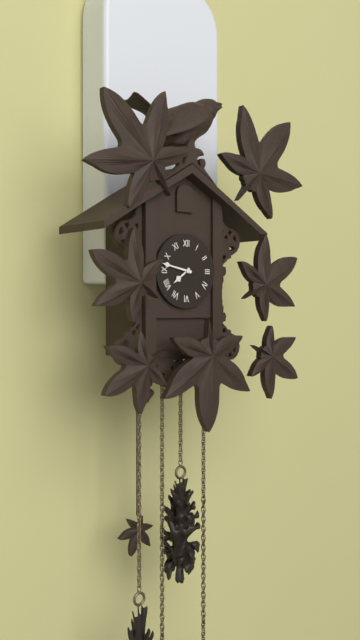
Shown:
7.47
